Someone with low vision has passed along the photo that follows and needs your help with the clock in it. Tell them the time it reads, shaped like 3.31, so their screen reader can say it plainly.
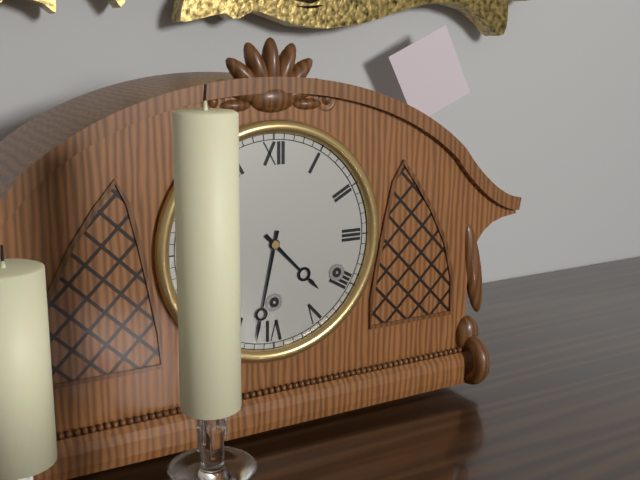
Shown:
4.32
